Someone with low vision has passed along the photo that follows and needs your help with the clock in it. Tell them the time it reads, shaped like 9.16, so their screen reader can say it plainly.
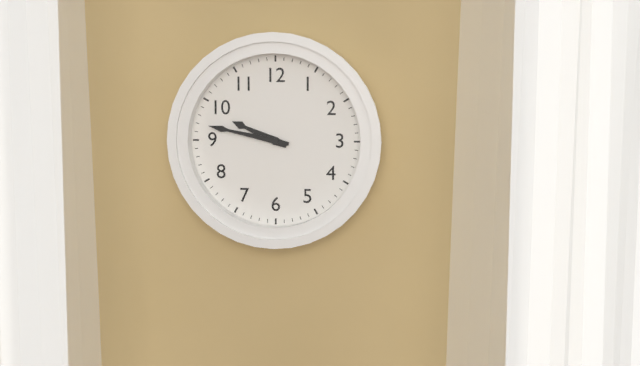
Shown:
9.47
